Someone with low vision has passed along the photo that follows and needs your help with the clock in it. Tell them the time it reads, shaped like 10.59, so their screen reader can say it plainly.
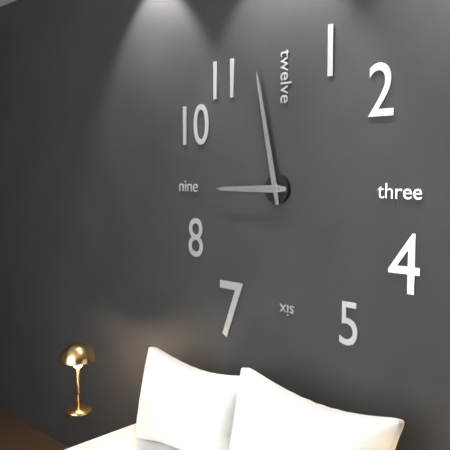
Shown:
8.58
